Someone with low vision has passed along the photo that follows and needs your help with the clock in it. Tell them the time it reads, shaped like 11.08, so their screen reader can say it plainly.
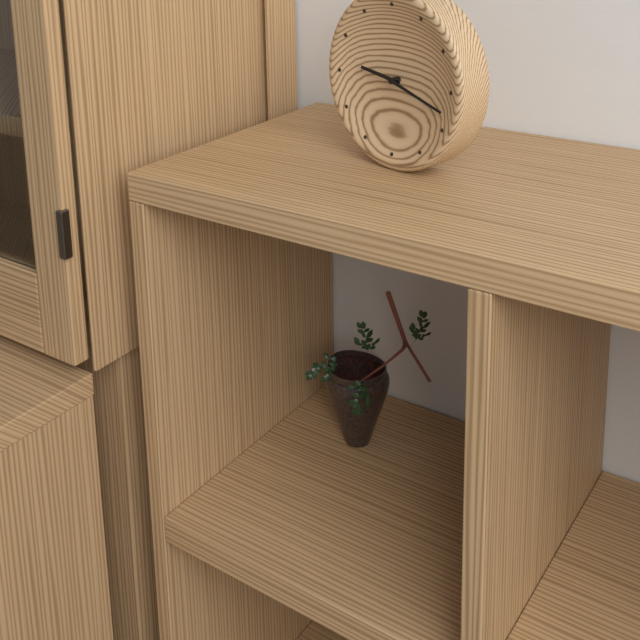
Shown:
9.18
